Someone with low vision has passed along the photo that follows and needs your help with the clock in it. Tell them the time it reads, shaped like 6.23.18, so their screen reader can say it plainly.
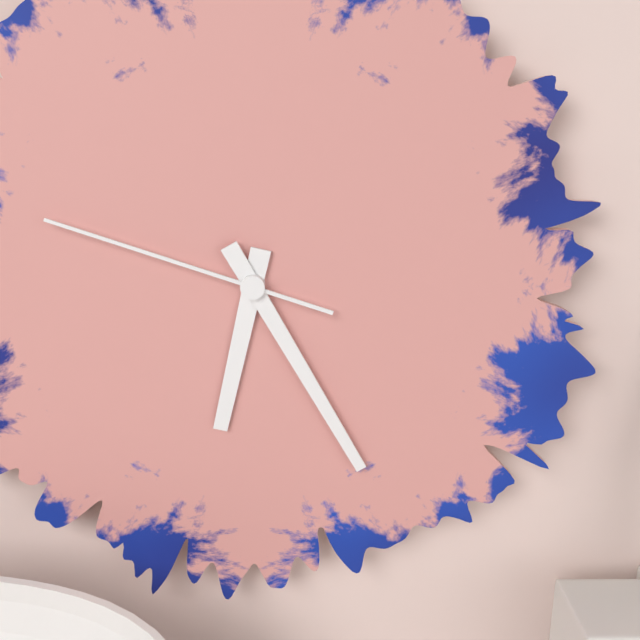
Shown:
6.25.48
